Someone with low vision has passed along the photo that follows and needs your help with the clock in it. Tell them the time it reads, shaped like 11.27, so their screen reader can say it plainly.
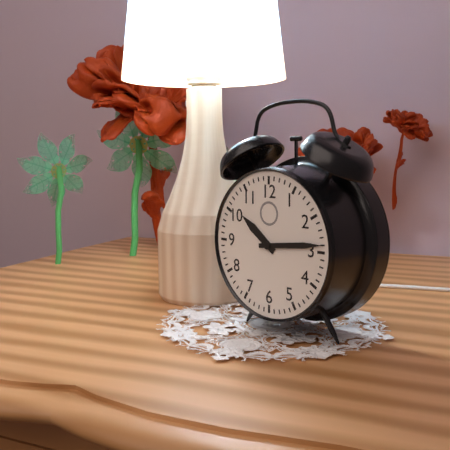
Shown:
10.14
